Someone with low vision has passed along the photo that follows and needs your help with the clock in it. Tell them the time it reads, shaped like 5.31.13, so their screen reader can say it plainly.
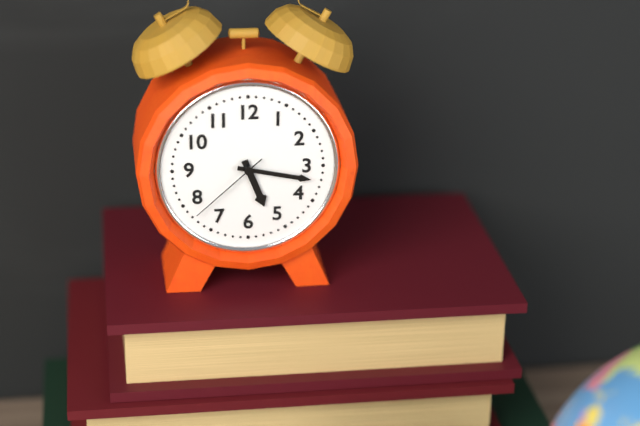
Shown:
5.17.38
